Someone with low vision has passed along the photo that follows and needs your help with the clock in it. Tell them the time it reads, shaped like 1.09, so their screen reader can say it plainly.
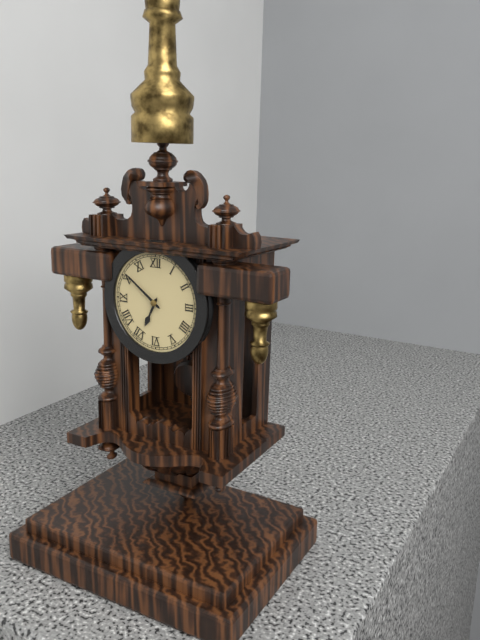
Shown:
6.51
